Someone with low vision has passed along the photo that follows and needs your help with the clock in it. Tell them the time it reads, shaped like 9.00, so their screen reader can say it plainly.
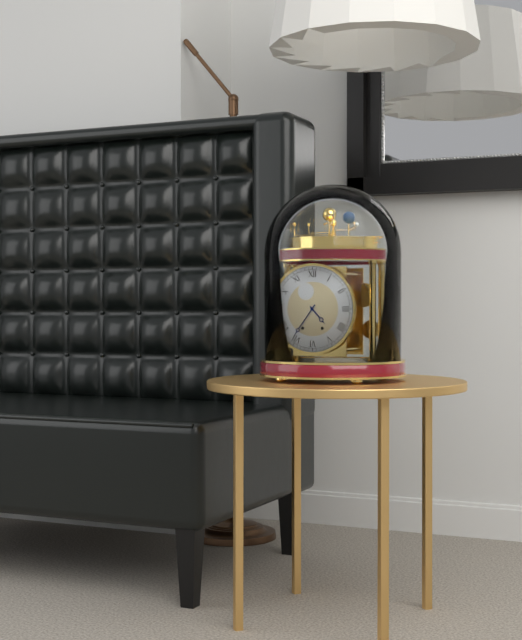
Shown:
4.36
